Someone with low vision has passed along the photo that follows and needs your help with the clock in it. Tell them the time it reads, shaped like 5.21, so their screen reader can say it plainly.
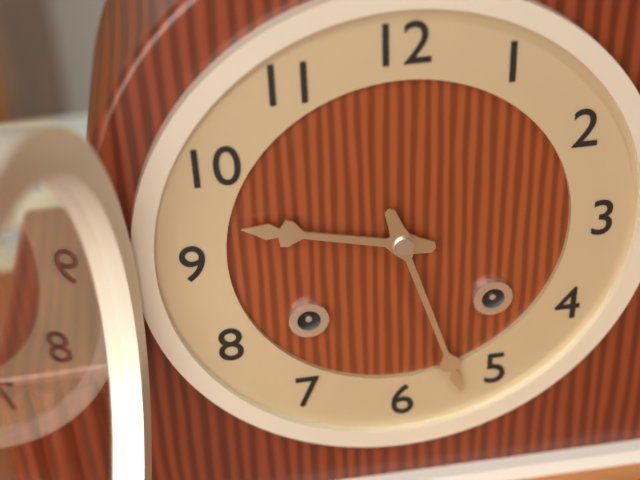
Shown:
9.27
